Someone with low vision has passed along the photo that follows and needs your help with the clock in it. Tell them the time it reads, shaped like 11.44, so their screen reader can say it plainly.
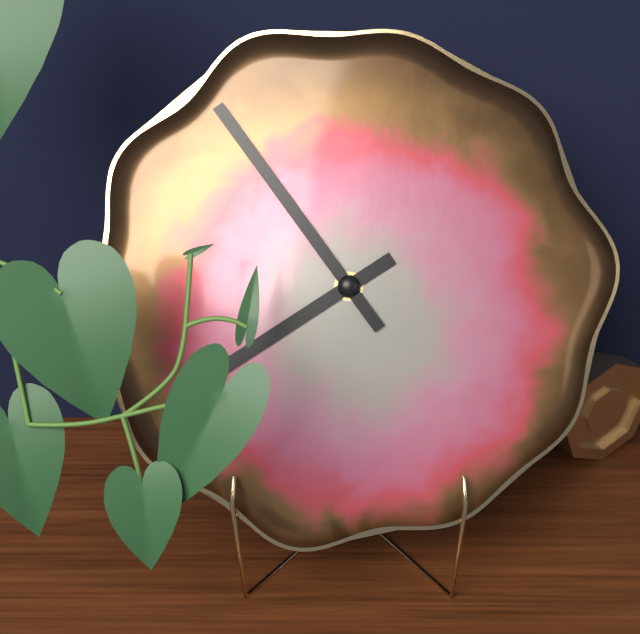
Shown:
7.54
